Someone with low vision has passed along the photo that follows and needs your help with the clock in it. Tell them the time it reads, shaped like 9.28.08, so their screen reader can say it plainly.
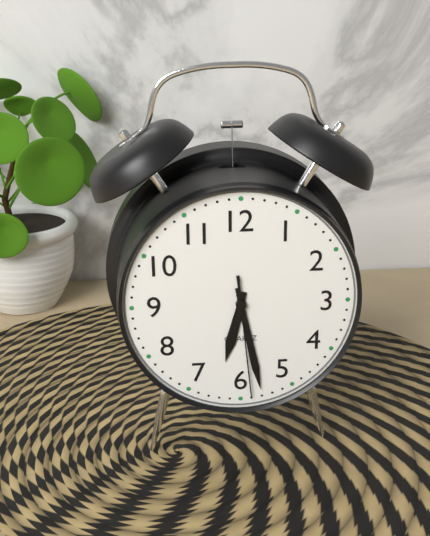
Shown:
6.28.29
